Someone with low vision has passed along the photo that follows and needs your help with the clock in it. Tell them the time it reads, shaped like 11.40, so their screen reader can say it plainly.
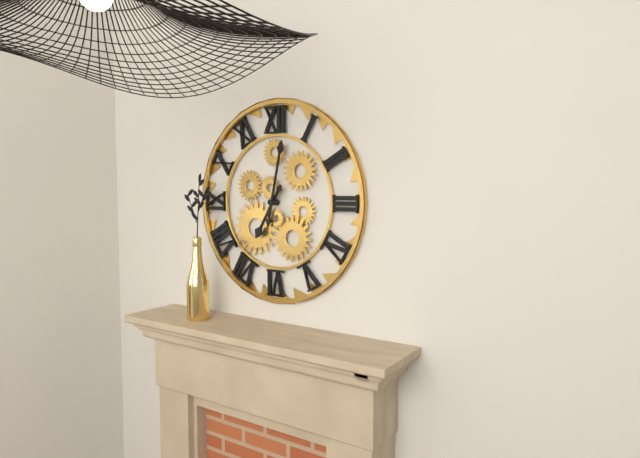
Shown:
7.02
